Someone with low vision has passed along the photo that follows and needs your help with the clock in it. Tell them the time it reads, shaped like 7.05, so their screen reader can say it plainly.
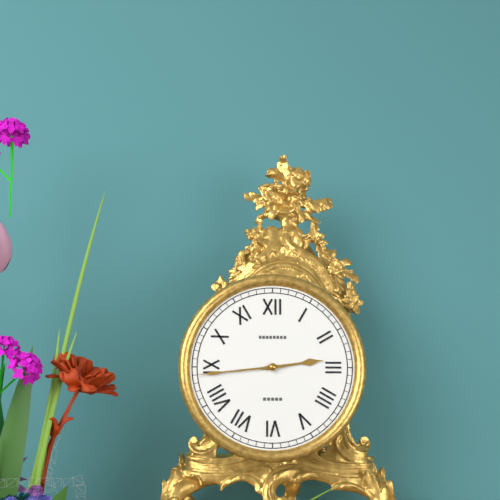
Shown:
2.44
